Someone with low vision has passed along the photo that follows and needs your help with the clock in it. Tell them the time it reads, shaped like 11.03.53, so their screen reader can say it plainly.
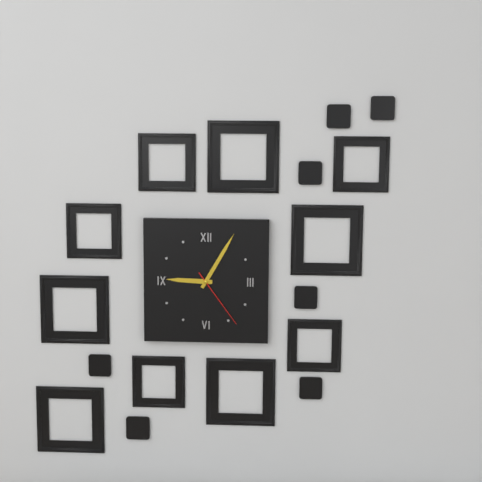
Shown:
9.05.24
